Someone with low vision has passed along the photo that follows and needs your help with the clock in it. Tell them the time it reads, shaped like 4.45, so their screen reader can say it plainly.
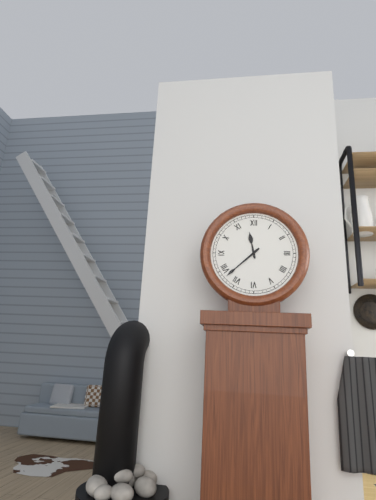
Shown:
11.38
